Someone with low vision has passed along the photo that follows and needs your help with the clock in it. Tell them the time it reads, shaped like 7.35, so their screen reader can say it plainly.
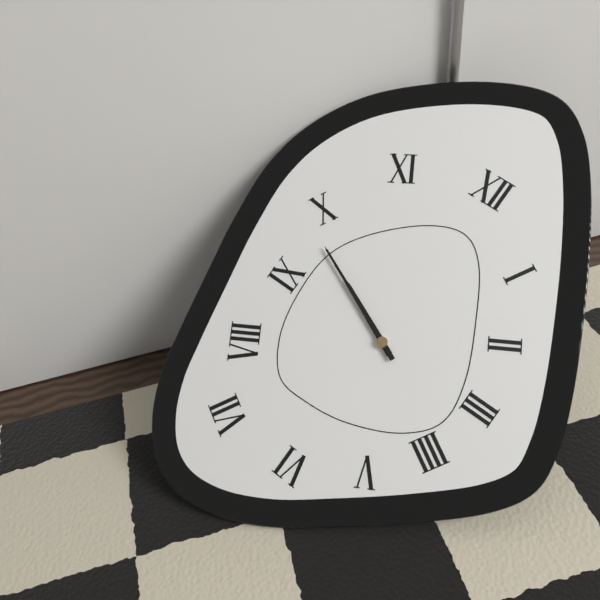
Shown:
9.49
